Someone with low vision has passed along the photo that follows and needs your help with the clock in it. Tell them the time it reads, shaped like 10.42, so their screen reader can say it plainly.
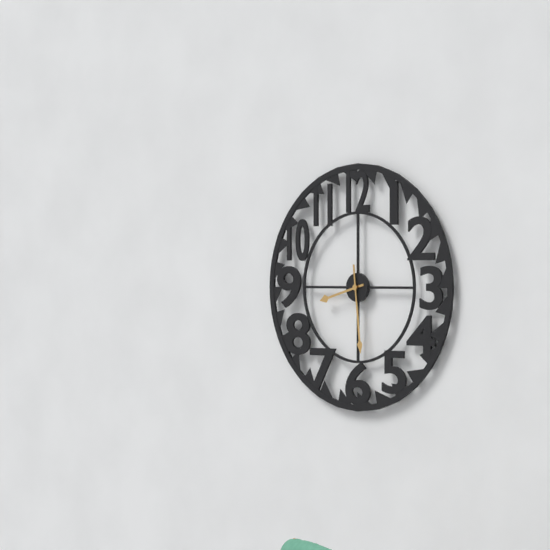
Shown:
8.29
